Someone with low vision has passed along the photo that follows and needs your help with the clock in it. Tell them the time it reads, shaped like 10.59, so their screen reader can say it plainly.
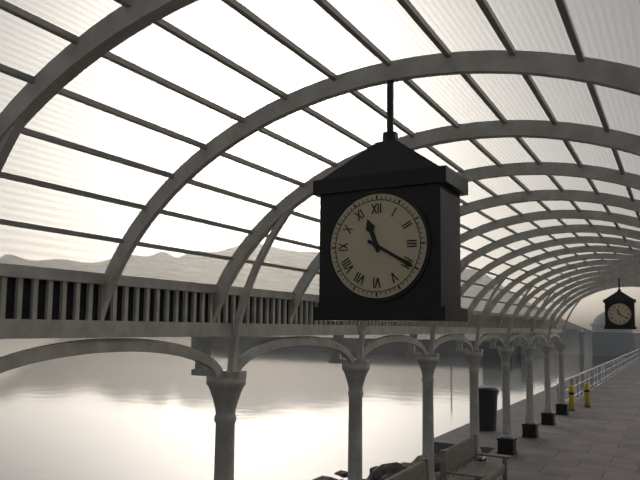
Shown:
11.20
